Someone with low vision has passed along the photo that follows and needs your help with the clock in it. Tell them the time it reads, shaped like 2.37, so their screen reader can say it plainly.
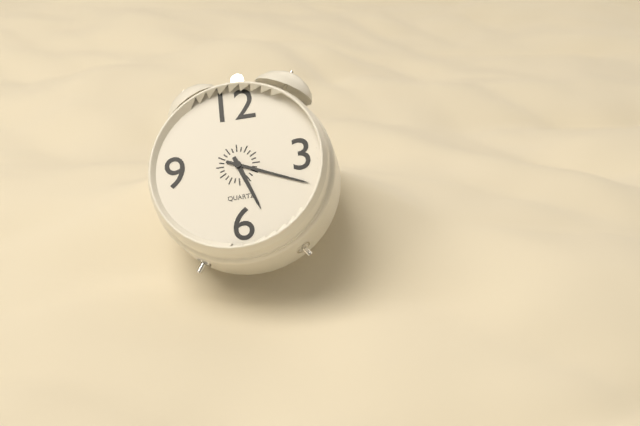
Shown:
5.19
